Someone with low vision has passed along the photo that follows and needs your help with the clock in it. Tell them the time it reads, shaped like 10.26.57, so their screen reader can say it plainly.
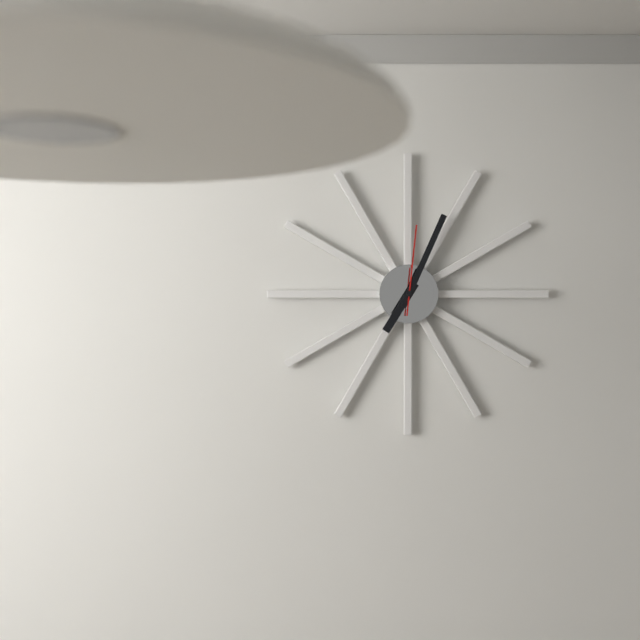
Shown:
7.04.01
